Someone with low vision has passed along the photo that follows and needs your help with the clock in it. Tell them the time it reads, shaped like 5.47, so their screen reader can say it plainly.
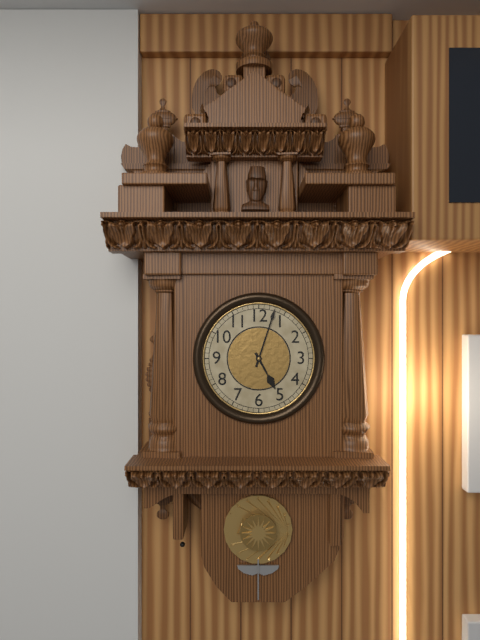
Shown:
5.03
